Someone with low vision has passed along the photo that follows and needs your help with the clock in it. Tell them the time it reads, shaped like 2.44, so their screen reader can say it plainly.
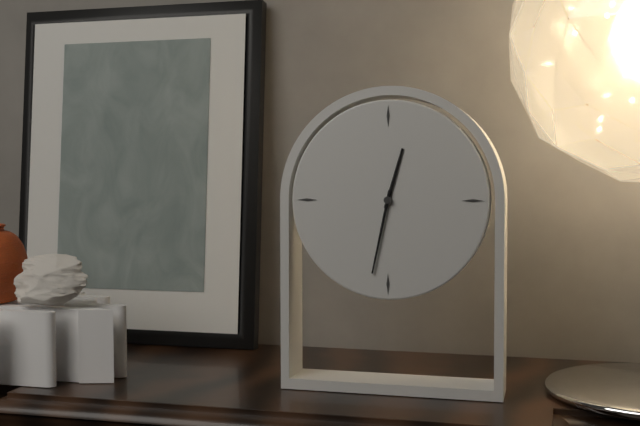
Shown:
12.32
